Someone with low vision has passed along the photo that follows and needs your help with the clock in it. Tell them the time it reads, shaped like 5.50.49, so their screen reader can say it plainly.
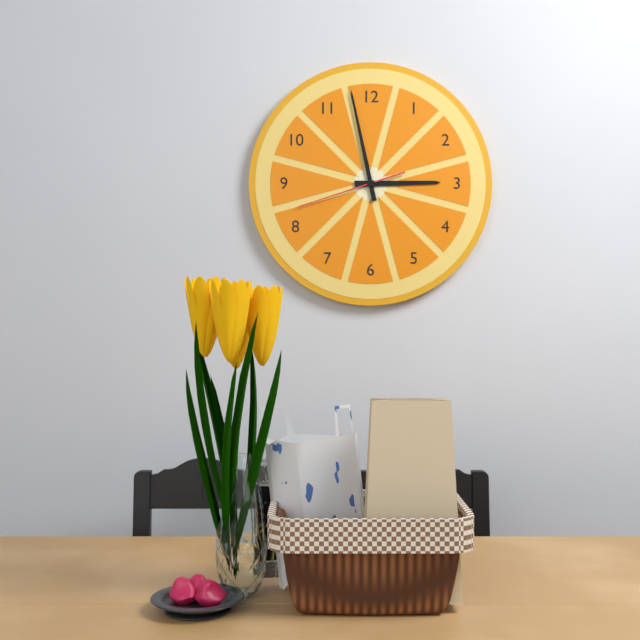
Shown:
2.58.42
